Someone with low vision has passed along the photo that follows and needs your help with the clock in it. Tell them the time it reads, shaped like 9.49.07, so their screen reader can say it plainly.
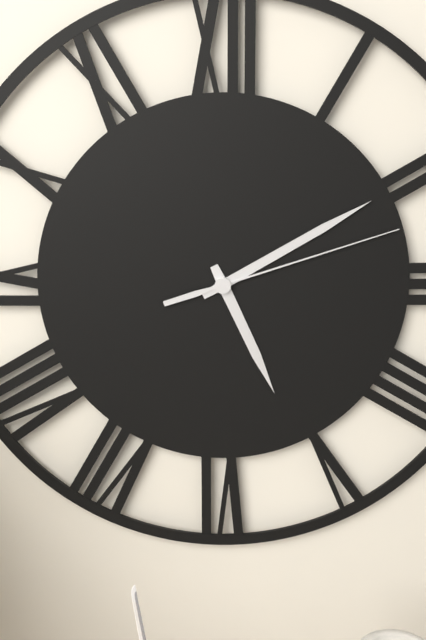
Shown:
5.10.12
